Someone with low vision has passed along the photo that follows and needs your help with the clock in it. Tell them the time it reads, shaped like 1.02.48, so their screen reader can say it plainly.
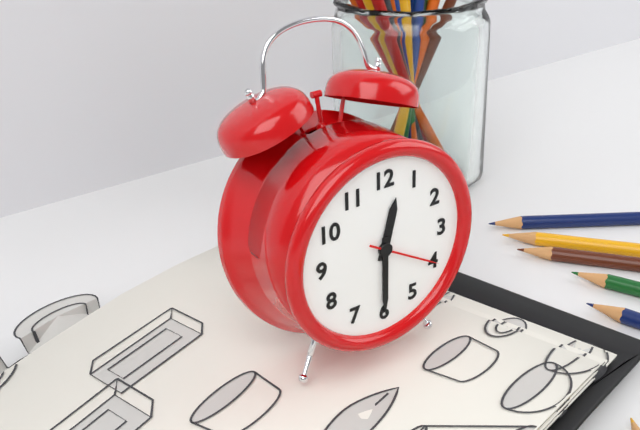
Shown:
12.30.20
